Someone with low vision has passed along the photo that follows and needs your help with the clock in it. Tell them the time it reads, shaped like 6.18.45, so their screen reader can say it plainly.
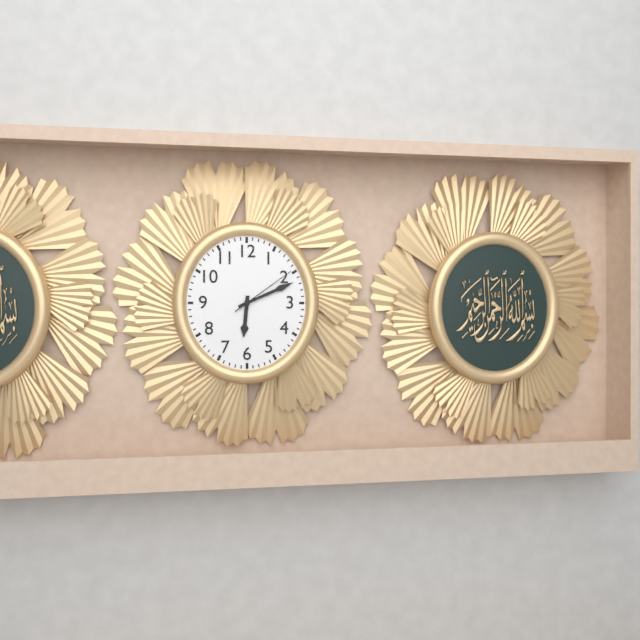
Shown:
6.11.09
